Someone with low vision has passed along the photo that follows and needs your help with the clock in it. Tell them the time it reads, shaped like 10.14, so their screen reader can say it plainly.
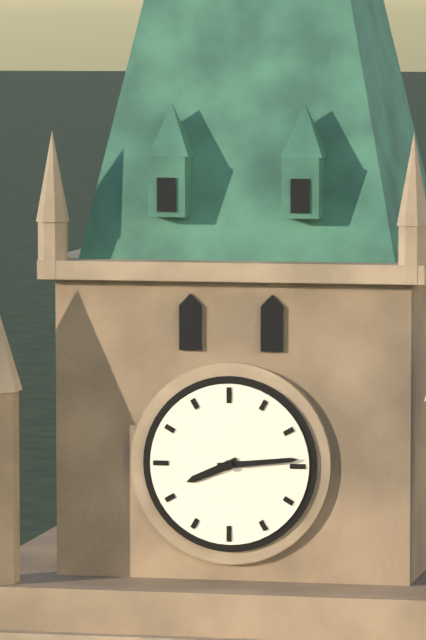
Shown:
8.14
